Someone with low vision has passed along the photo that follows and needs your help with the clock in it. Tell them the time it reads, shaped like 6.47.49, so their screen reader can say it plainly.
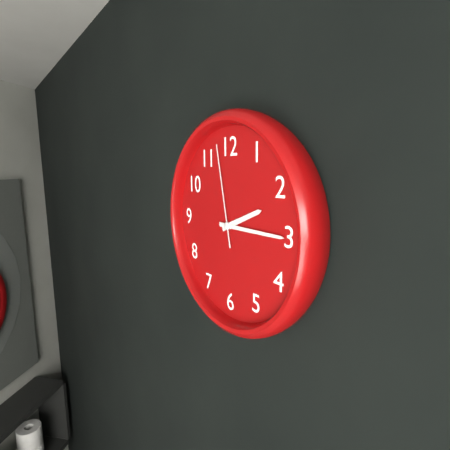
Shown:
2.15.58
